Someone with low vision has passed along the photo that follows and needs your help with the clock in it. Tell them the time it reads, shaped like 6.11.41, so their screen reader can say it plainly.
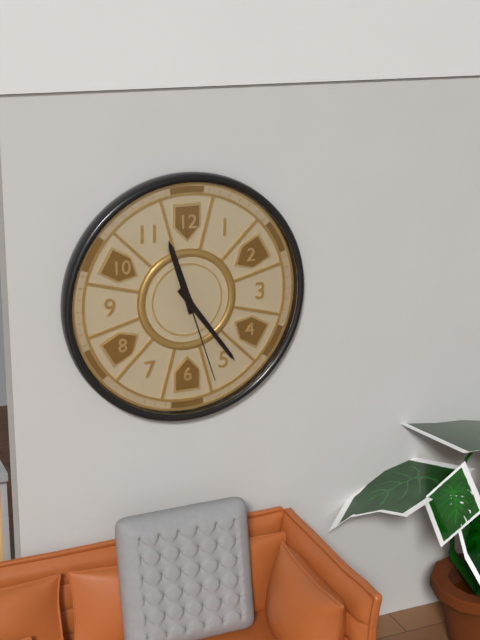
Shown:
11.24.27
